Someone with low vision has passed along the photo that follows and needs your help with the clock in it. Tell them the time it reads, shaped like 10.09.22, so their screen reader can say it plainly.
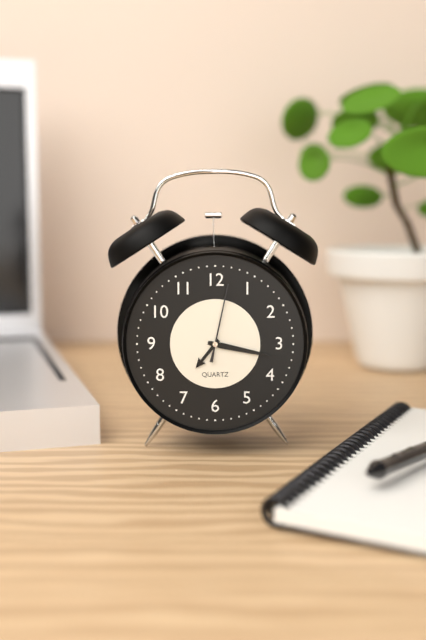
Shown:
7.17.02
